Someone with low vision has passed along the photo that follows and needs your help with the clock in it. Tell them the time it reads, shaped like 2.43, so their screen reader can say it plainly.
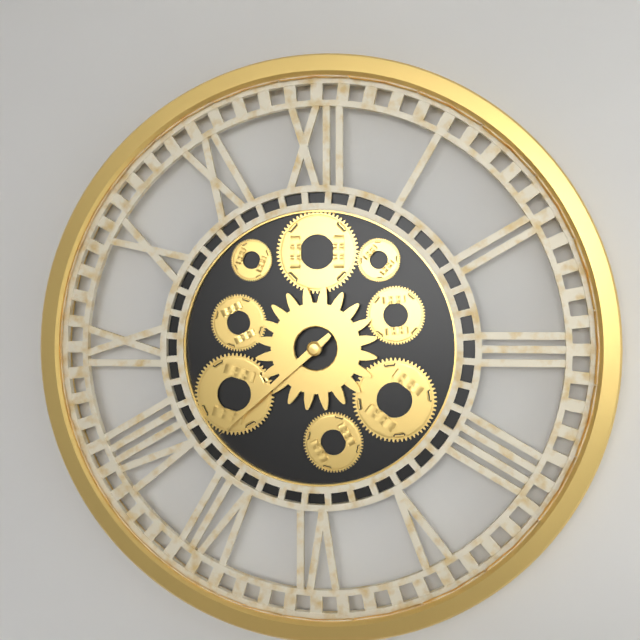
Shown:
7.38
